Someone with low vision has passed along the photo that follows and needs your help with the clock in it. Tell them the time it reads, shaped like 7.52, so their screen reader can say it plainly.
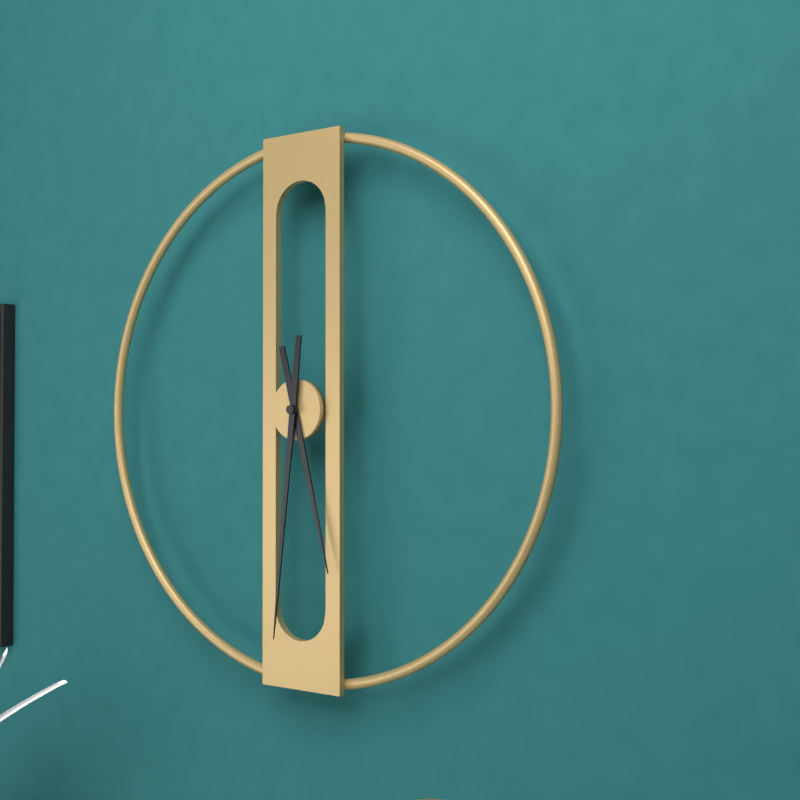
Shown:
5.31
